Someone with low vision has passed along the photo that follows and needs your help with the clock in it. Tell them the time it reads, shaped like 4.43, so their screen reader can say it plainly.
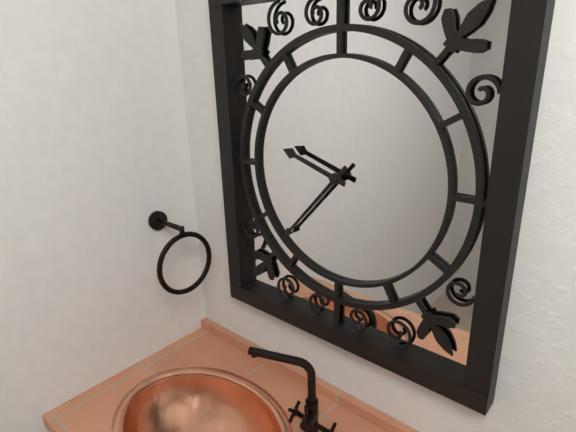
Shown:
9.37
